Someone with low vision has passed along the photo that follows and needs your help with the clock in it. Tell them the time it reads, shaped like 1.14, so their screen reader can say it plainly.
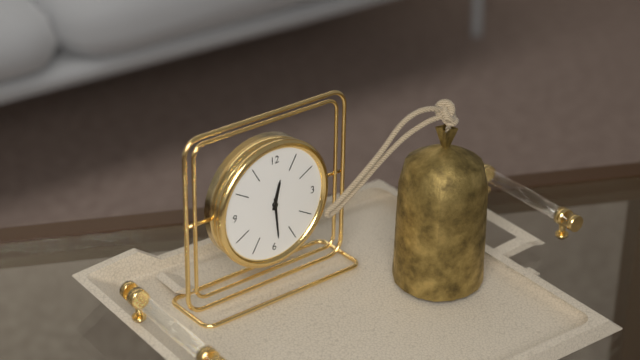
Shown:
12.29
